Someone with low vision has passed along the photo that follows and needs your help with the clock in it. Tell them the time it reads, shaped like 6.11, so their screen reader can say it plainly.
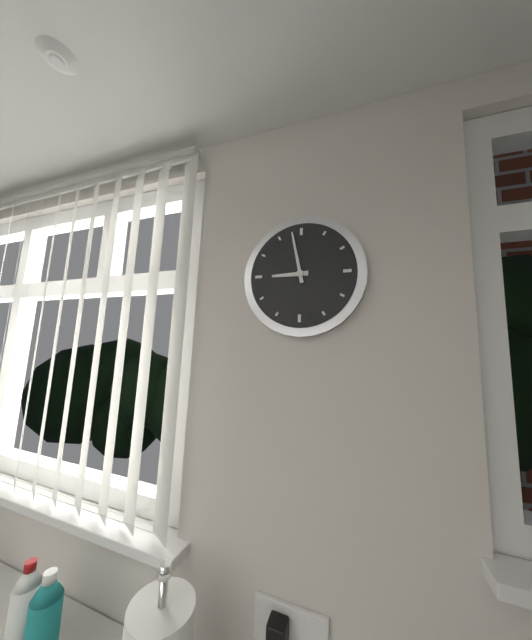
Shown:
8.58
